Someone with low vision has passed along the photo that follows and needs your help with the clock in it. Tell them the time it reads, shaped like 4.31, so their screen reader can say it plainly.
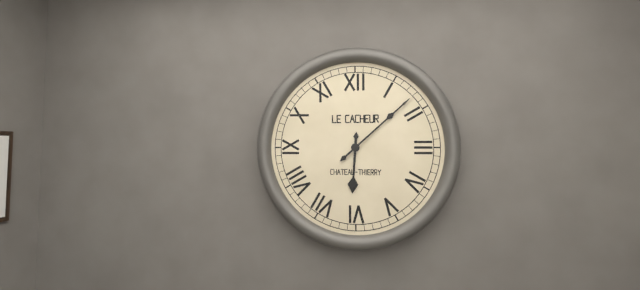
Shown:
6.08
